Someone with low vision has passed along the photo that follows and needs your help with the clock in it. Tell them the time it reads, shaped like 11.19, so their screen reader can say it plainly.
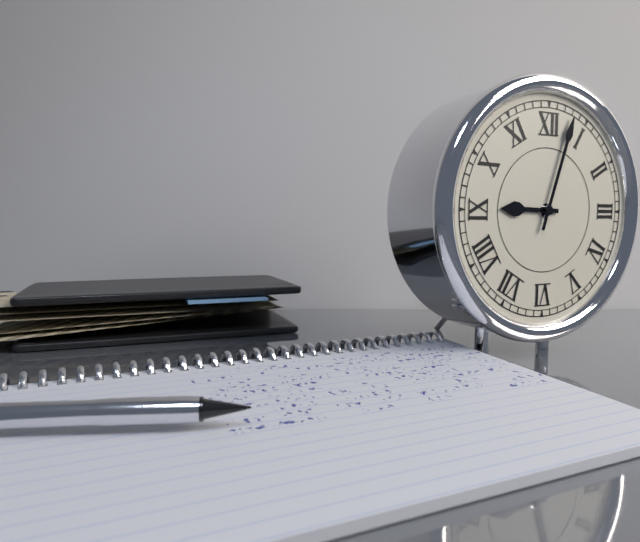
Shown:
9.03
